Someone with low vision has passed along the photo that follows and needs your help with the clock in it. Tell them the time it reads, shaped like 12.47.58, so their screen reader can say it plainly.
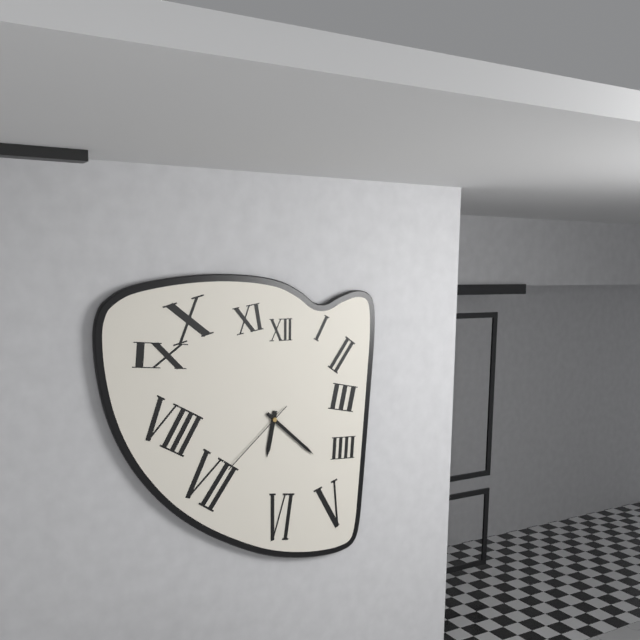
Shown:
6.22.38
